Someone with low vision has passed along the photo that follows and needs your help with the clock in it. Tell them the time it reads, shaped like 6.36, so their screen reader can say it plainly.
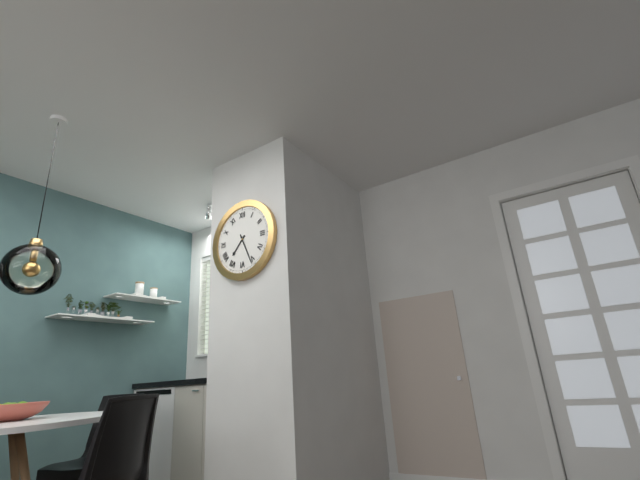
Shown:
7.26
